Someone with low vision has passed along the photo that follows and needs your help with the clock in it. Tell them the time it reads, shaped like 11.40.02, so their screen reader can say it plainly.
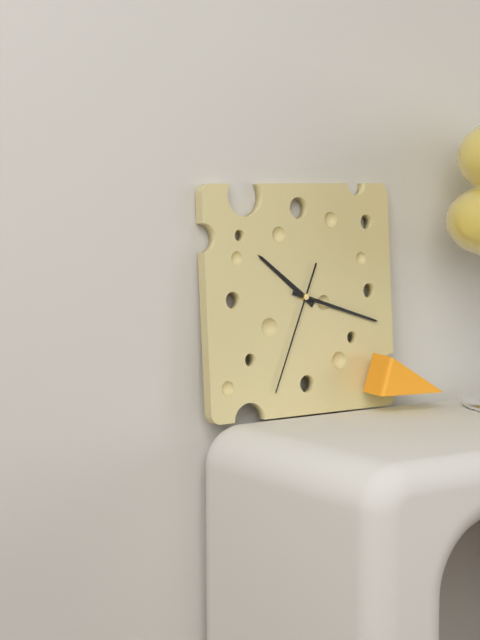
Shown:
10.18.34
